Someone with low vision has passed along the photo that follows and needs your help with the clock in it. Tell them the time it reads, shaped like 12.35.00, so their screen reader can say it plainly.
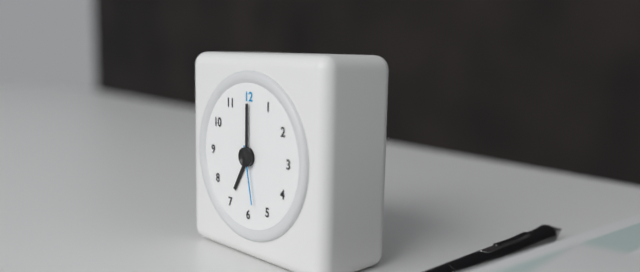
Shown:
7.00.28
